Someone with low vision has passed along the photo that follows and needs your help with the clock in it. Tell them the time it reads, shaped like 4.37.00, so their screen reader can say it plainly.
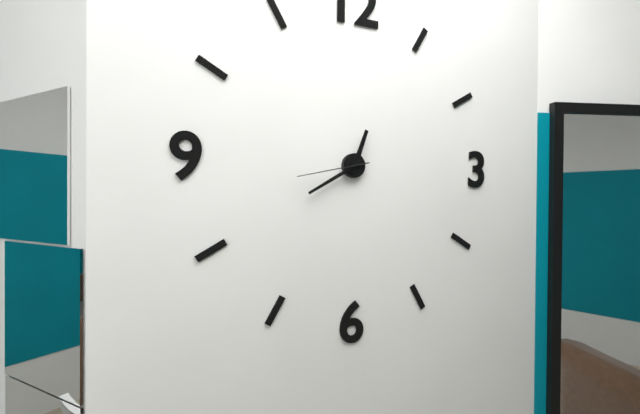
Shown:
12.40.43
